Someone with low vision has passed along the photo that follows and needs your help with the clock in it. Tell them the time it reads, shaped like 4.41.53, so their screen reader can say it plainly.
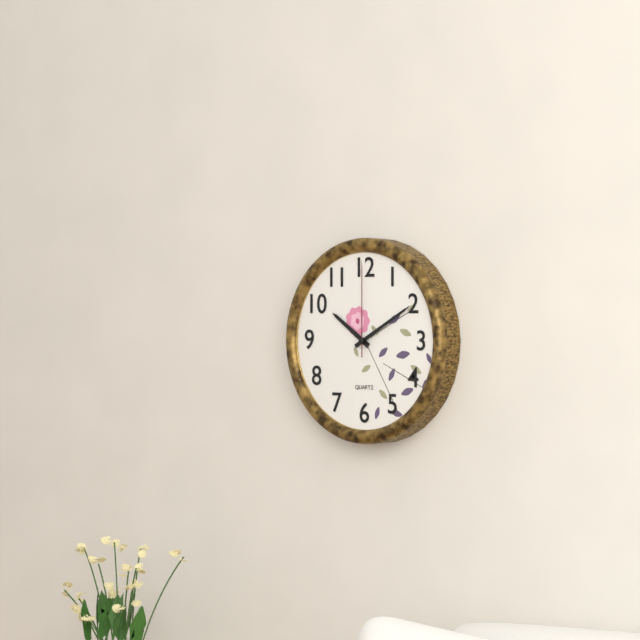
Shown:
10.10.00
